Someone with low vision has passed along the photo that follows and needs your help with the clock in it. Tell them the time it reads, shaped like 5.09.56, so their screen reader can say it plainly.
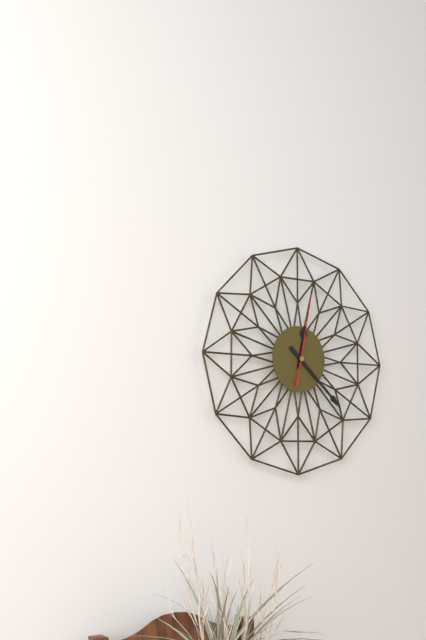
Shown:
12.22.02
